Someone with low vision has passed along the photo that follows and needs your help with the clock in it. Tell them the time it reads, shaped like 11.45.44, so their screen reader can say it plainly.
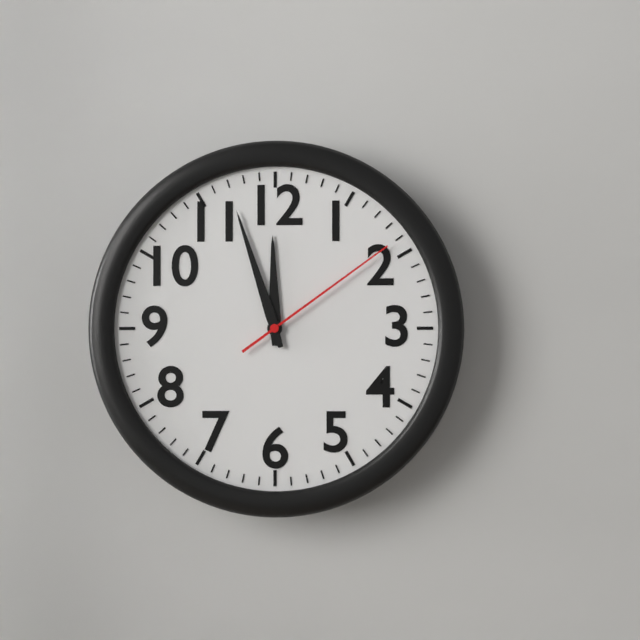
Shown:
11.57.09
